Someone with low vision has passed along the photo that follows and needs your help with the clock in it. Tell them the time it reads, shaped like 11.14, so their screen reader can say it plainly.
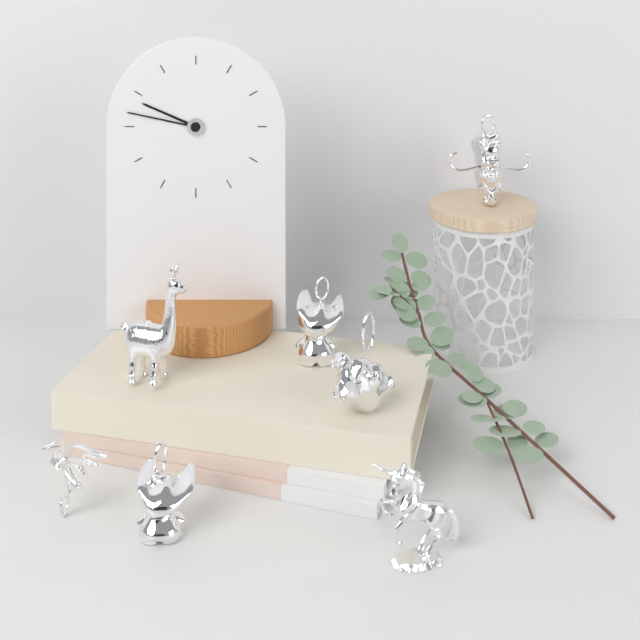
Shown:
9.47
